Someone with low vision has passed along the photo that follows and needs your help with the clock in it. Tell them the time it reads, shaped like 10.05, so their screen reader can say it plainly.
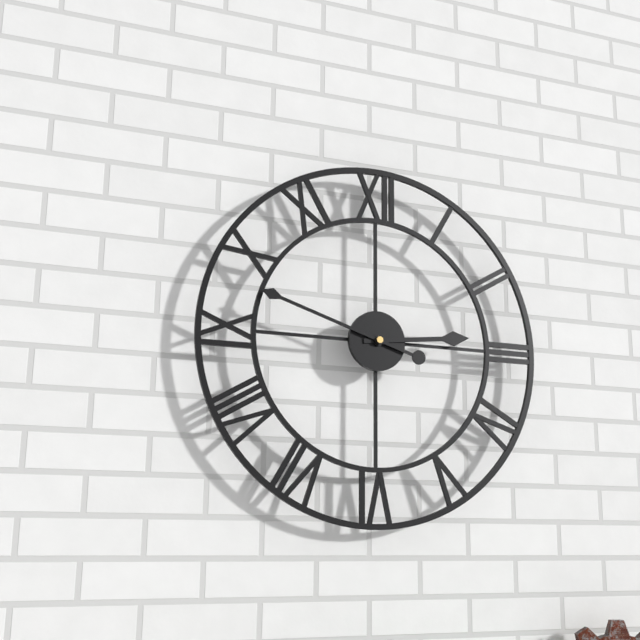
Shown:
2.48
